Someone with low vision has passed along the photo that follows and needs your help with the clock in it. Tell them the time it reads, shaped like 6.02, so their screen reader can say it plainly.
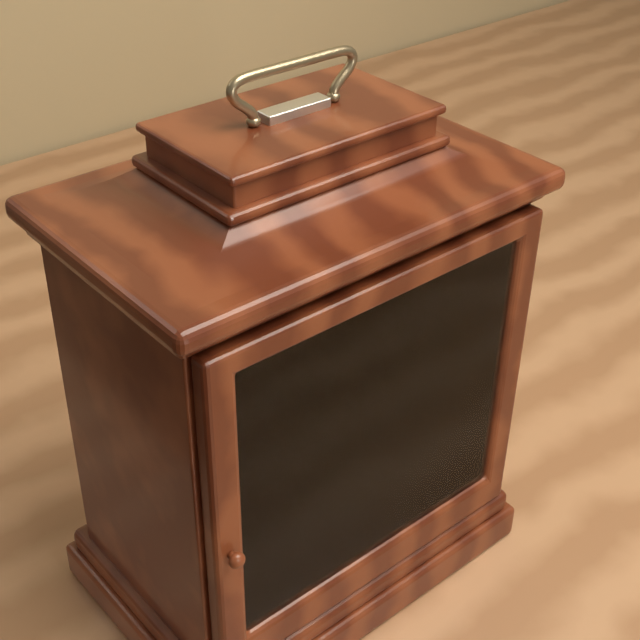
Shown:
12.46
